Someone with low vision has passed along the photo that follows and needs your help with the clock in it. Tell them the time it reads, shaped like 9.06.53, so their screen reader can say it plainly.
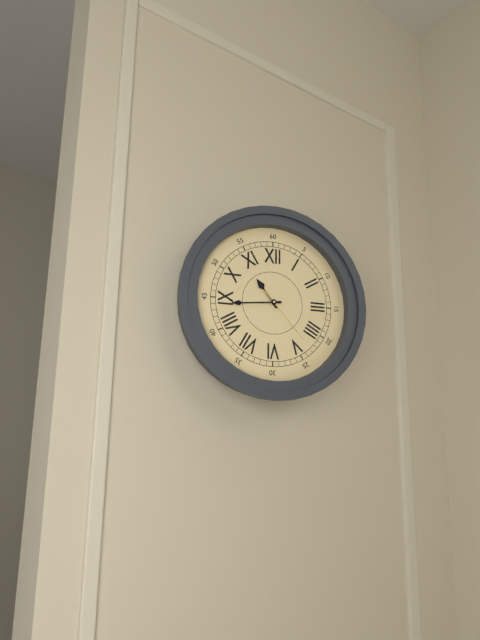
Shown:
10.44.23
